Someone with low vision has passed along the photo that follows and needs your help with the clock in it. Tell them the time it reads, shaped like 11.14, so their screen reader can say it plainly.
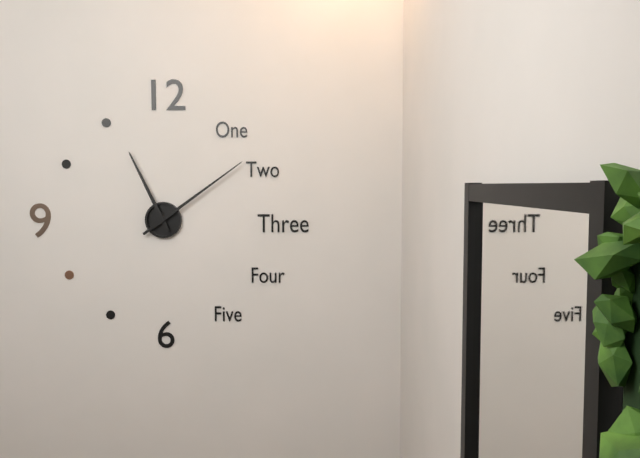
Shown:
11.09
